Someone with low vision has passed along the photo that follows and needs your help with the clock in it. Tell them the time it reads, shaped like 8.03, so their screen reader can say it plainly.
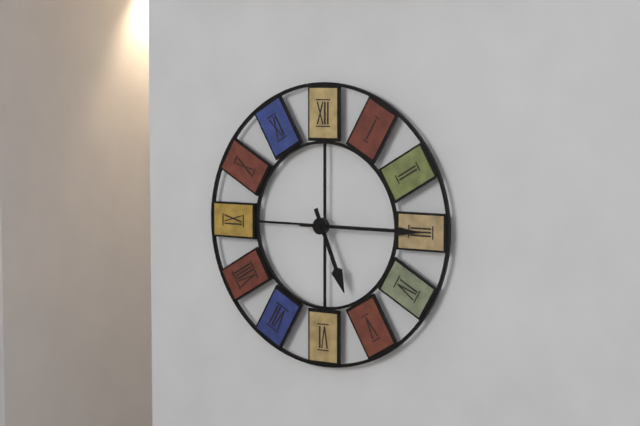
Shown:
5.15
